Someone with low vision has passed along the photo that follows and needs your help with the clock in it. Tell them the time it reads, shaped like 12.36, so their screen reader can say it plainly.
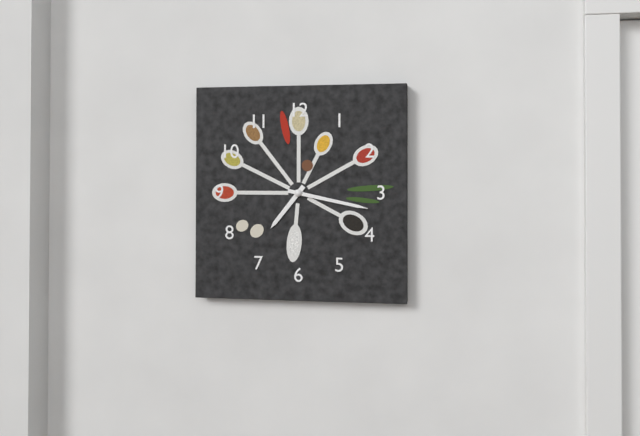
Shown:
7.17
